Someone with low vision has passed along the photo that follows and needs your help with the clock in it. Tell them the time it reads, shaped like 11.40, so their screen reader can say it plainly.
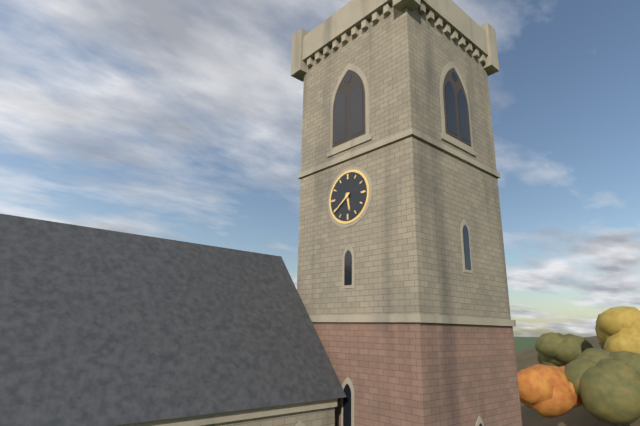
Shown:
5.39
